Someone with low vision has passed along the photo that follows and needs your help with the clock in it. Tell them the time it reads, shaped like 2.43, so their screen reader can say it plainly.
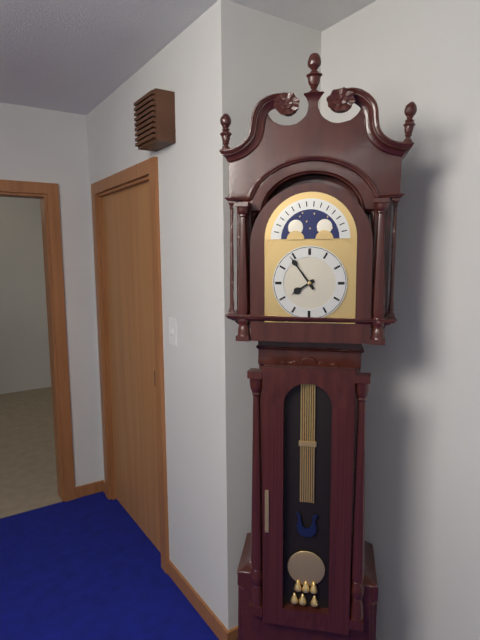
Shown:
7.54
